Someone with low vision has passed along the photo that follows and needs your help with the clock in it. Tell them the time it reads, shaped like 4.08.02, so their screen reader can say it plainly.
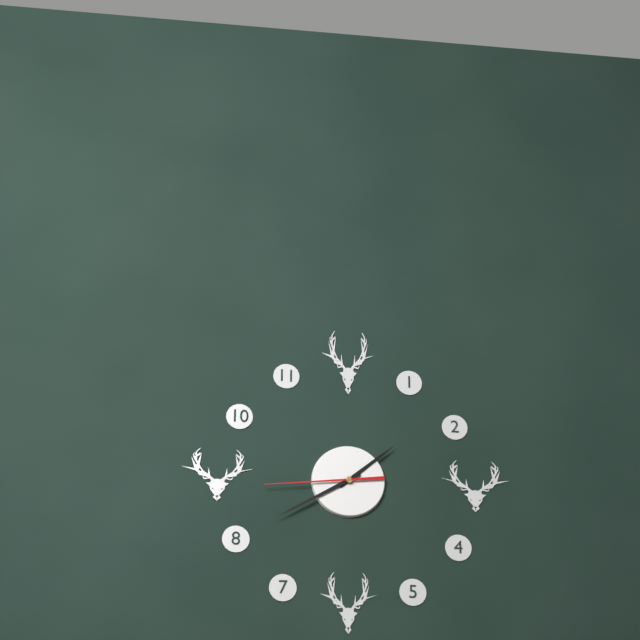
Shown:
1.40.44
